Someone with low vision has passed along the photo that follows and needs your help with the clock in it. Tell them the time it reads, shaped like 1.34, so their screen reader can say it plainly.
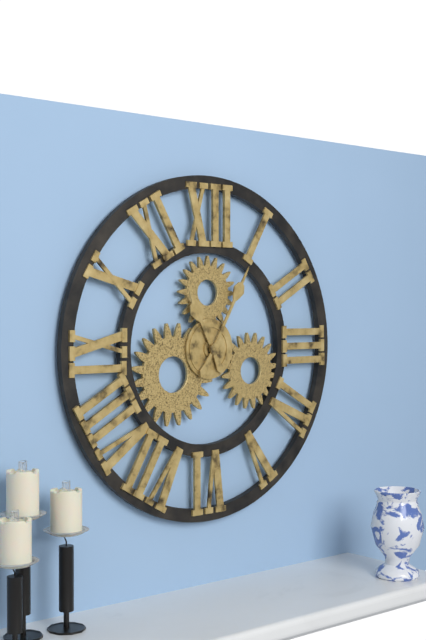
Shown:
11.05
